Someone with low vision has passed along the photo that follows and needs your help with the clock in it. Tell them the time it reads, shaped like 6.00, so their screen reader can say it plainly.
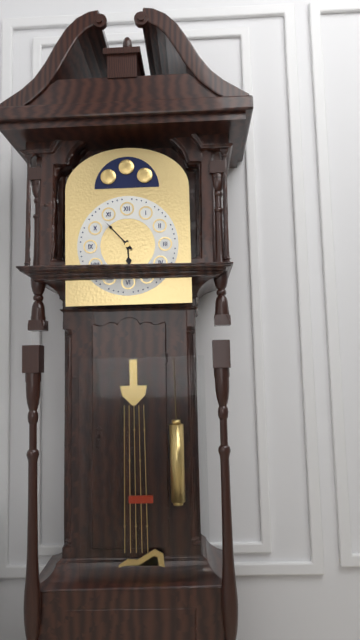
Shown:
5.53
